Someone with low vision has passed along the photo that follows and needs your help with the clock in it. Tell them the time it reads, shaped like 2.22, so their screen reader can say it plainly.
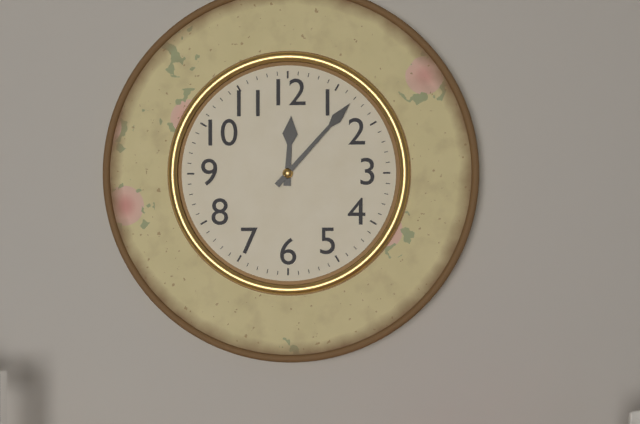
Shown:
12.07
